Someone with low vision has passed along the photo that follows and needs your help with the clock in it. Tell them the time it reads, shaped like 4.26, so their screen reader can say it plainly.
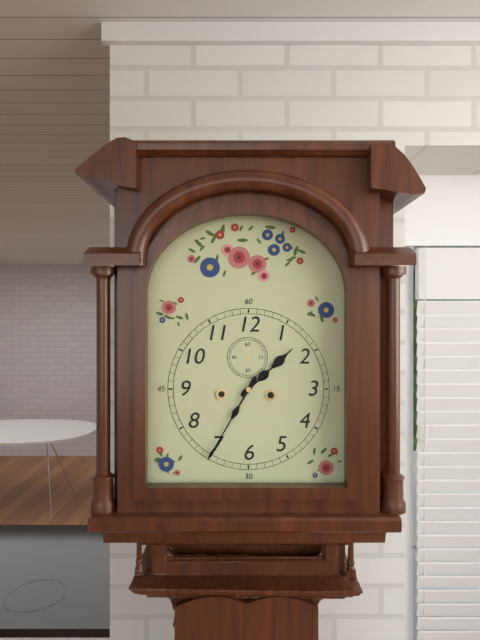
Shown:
1.35
